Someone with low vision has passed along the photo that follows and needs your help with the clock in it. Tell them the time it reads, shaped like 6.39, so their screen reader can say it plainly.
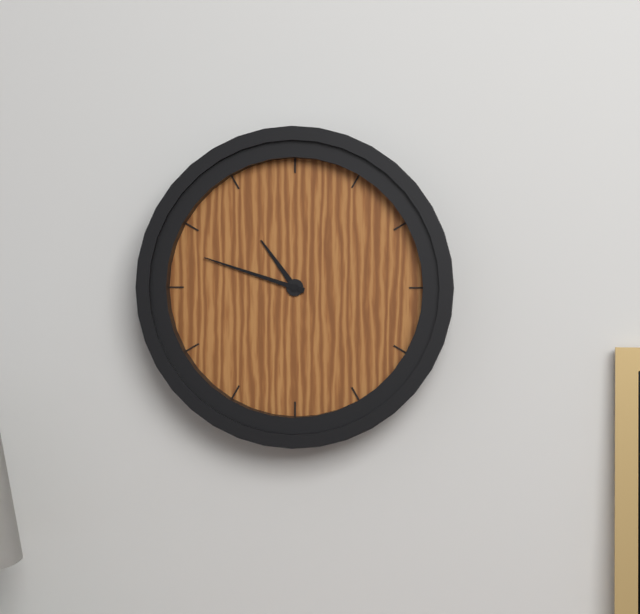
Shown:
10.48
